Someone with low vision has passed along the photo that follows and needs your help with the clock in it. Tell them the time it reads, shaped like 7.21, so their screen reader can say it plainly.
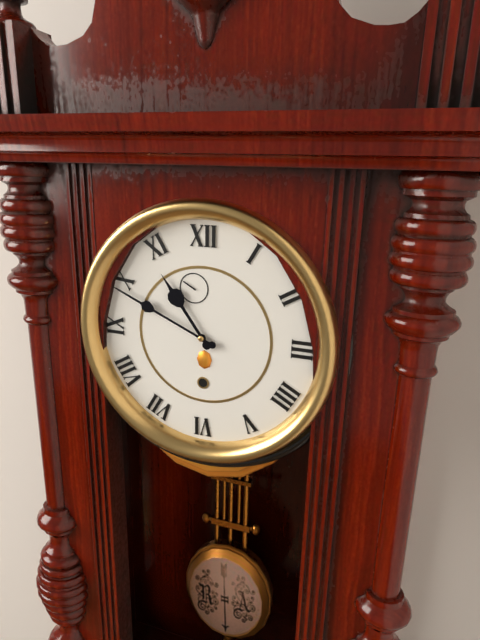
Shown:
10.49
